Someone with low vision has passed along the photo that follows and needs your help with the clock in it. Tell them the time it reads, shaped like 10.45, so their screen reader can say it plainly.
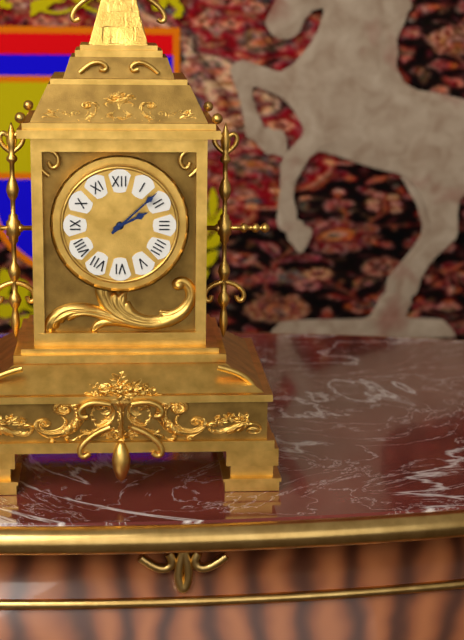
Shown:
2.08
